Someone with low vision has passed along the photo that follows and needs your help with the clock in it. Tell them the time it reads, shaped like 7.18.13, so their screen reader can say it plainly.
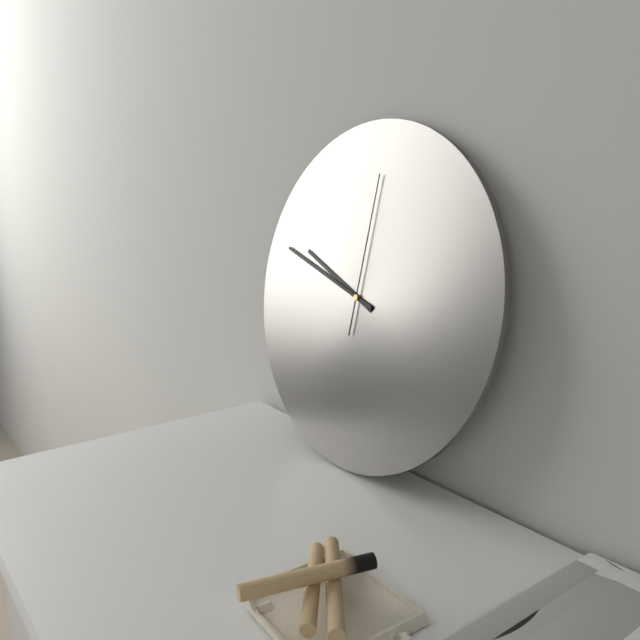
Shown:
9.48.01
